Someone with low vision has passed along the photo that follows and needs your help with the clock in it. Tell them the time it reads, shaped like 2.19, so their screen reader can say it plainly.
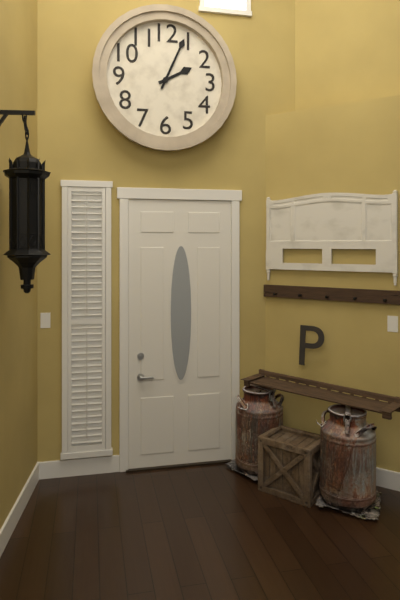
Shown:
2.04
